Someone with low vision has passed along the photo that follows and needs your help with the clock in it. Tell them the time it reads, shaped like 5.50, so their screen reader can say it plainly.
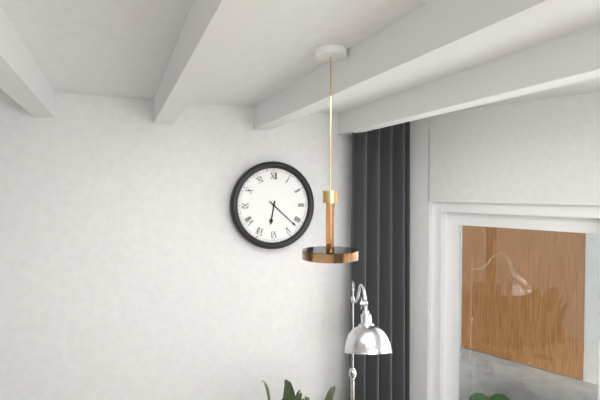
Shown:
6.22
